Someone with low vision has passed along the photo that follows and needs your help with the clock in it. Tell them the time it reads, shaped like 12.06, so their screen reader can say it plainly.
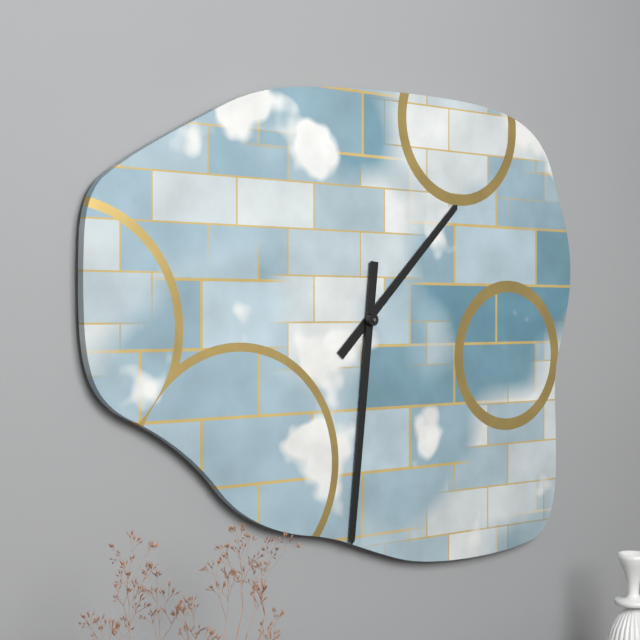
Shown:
1.31
